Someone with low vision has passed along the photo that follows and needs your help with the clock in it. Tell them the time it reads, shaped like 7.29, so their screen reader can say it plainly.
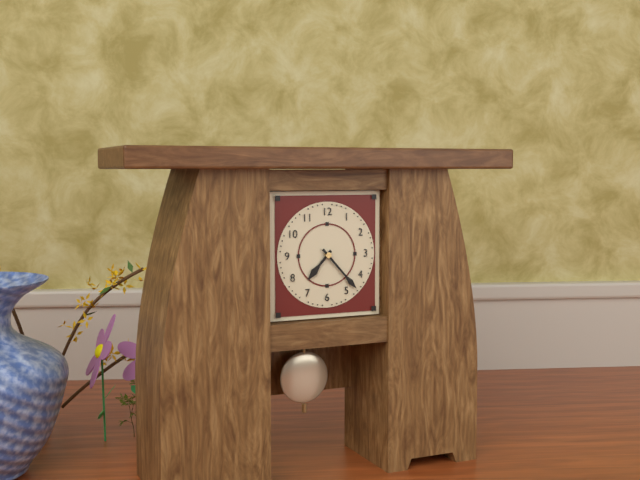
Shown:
7.23
